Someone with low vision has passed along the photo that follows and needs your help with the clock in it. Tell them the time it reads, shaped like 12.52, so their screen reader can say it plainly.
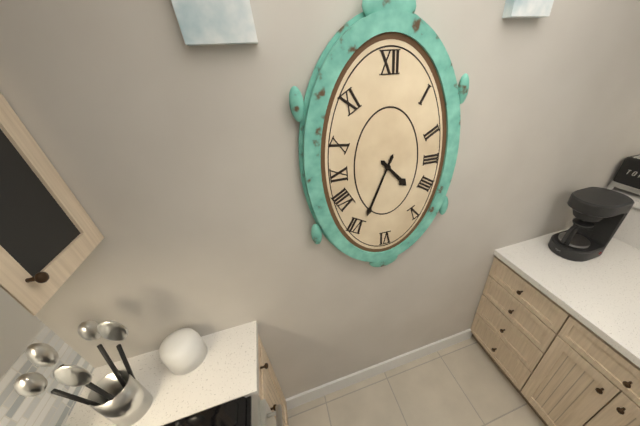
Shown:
4.34
